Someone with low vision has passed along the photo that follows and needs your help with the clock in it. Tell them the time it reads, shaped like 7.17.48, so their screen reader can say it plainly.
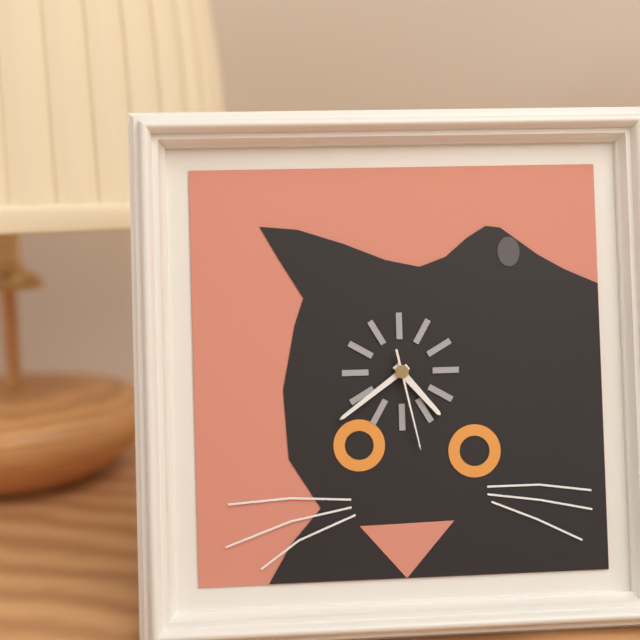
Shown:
4.39.28
